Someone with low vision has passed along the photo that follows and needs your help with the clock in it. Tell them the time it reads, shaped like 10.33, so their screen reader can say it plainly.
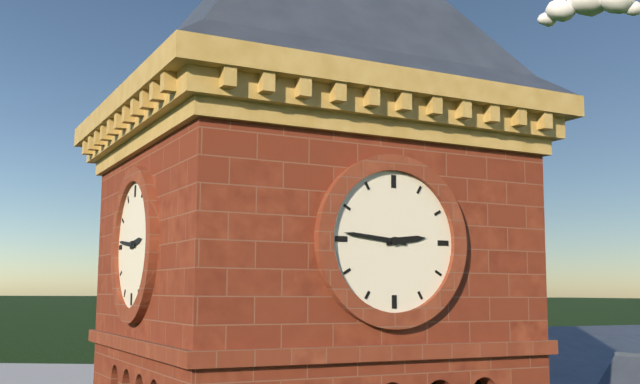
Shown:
2.46
